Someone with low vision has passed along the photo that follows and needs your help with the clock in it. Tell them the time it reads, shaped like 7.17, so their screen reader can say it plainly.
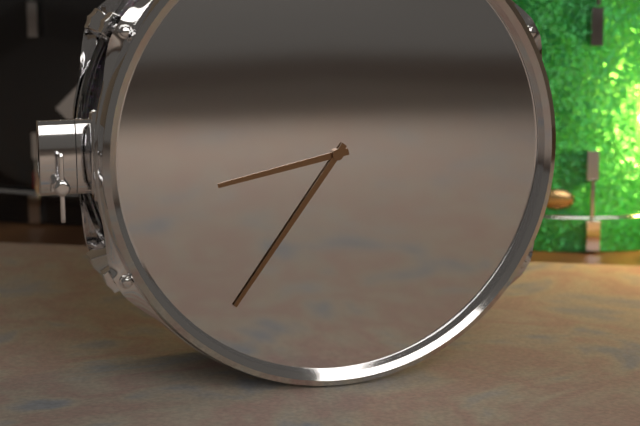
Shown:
8.36
